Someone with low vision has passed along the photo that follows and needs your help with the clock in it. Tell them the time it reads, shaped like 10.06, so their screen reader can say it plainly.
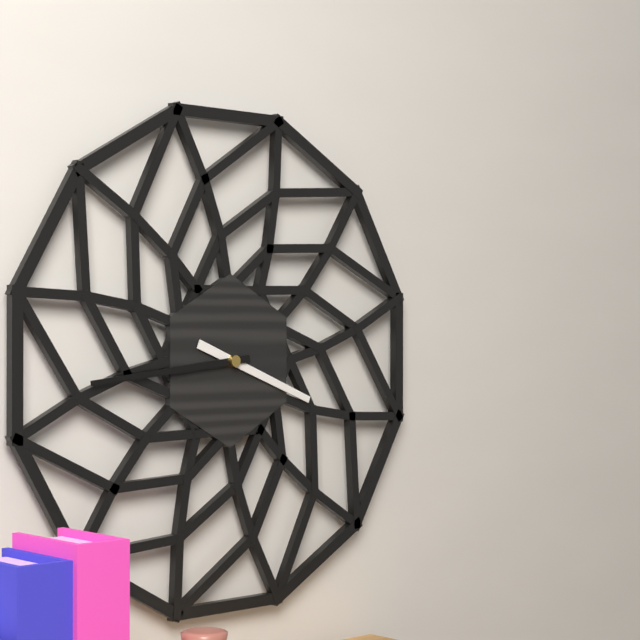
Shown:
3.44
